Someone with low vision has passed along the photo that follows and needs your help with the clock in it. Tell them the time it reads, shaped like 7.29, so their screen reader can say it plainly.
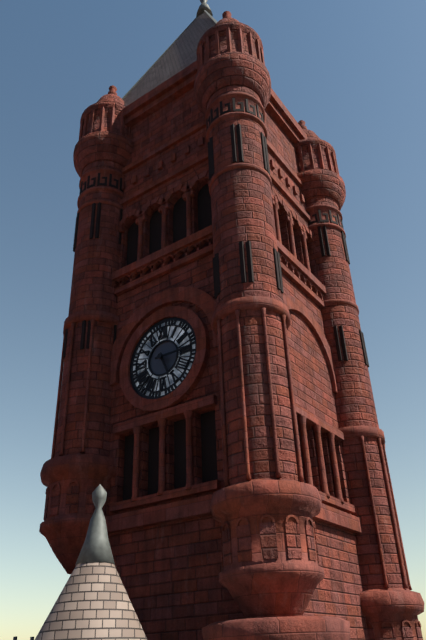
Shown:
5.15
